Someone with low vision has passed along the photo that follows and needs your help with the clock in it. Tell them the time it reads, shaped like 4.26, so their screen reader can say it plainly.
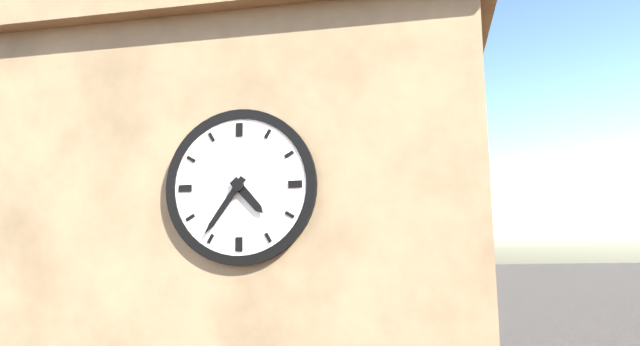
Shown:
4.36
